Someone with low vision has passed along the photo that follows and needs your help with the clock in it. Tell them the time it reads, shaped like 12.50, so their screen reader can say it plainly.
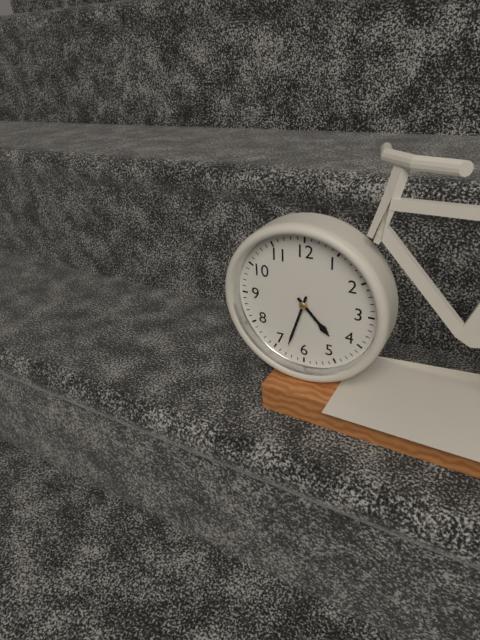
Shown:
4.33
